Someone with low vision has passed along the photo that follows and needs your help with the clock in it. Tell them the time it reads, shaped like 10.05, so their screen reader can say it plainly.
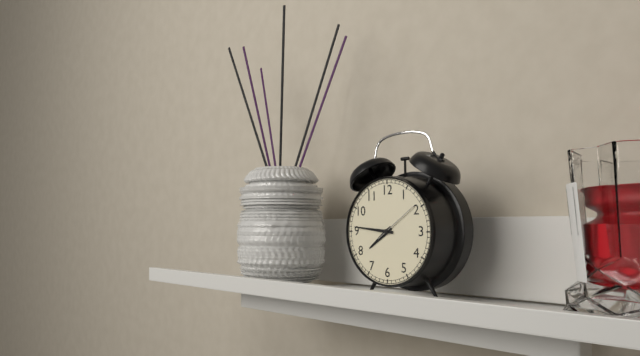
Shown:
7.46
